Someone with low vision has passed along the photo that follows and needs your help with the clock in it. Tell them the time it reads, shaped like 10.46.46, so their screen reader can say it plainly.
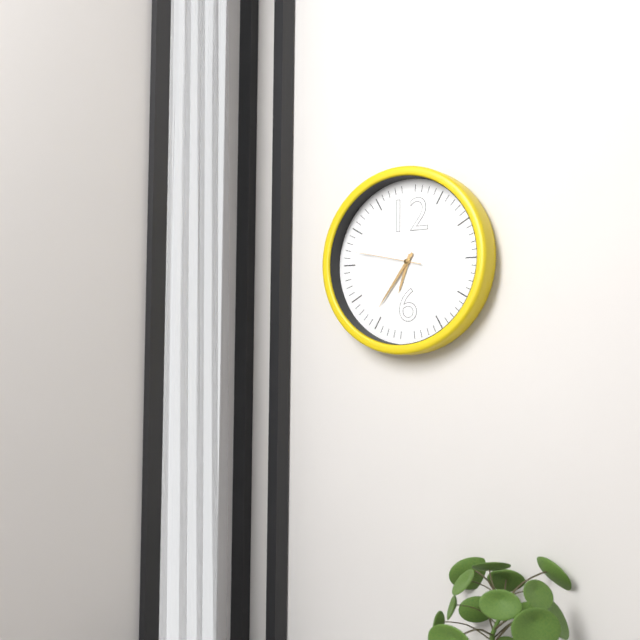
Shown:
6.36.47
